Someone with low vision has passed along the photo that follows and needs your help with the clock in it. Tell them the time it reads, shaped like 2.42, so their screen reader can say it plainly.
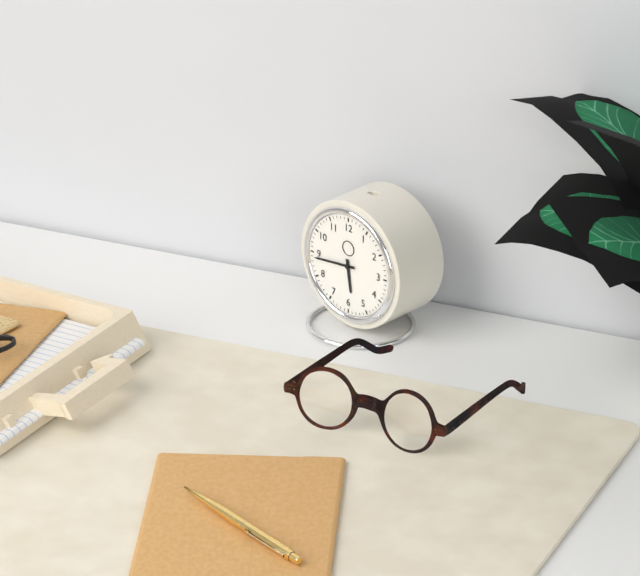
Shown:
5.44
